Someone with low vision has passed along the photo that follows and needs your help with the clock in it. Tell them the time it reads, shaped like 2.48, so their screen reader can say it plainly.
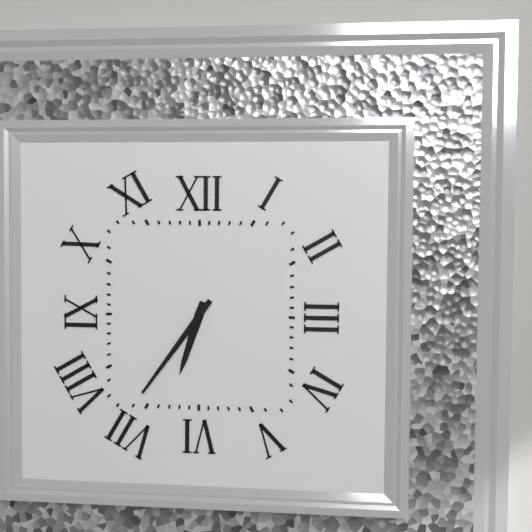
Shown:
6.36
